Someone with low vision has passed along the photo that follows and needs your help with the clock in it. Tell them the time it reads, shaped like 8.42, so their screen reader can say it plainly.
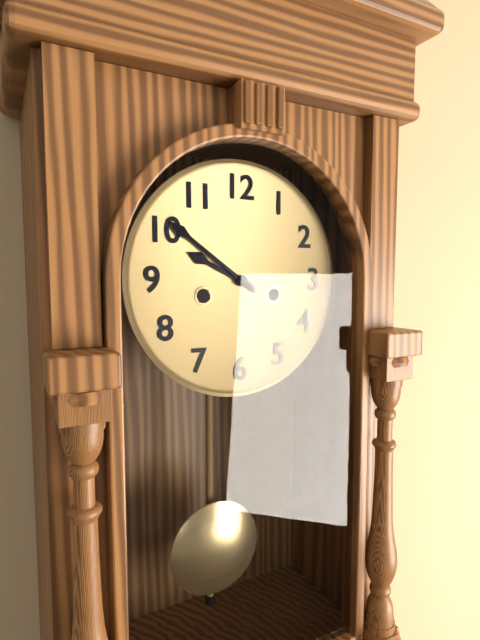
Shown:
9.51
